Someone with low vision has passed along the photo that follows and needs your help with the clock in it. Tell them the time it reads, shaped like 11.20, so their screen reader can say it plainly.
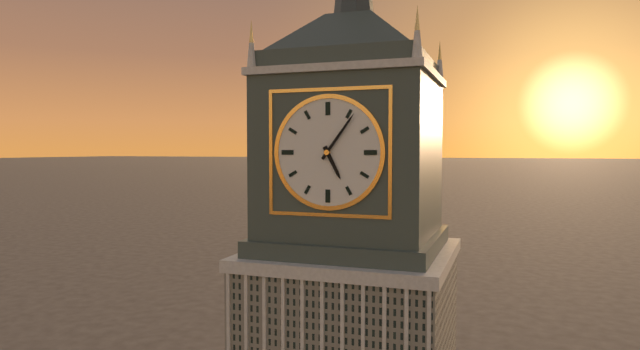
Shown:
5.06
